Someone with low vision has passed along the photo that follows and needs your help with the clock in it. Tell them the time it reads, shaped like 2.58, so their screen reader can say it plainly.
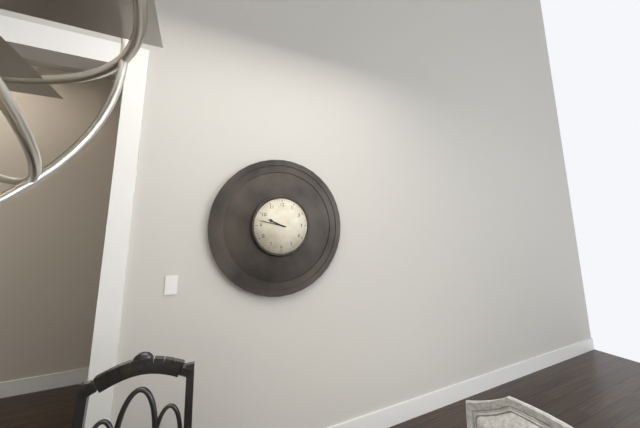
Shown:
9.47
